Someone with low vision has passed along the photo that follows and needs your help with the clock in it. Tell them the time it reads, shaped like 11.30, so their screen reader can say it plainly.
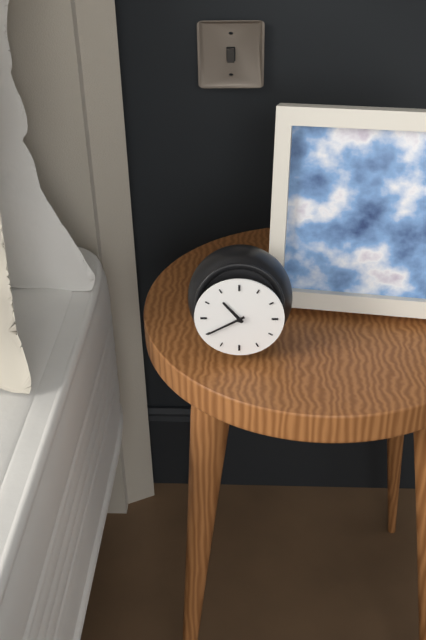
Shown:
10.40
